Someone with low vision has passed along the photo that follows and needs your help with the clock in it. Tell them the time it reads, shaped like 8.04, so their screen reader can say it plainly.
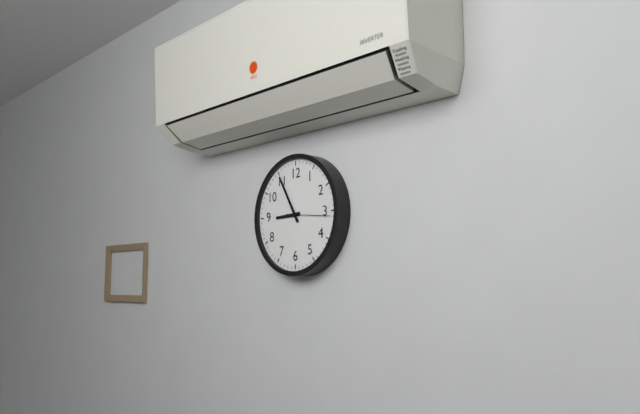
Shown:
8.55
